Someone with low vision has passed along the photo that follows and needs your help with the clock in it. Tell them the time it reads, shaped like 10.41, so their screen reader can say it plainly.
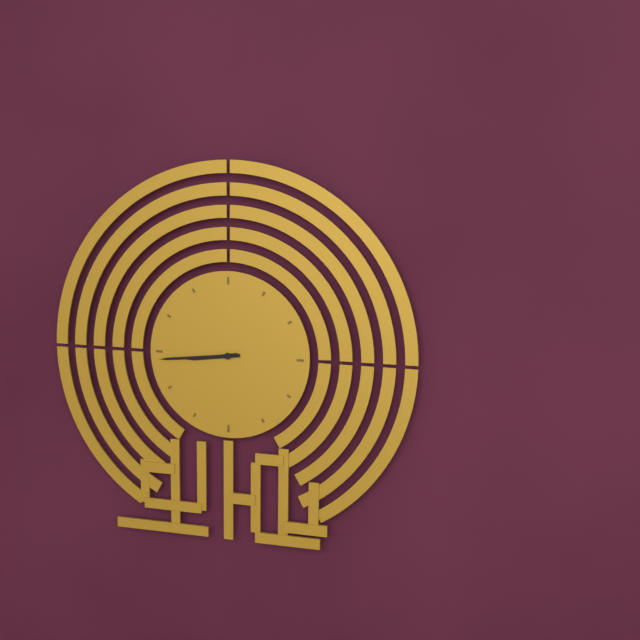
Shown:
8.44
